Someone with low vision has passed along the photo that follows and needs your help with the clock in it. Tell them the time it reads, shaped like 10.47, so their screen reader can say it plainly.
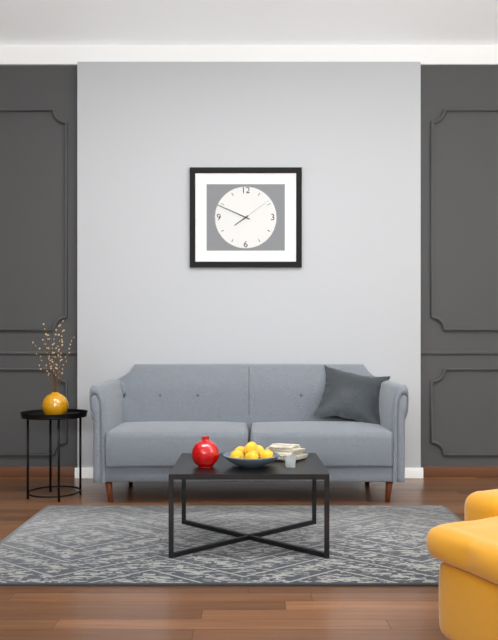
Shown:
7.49
